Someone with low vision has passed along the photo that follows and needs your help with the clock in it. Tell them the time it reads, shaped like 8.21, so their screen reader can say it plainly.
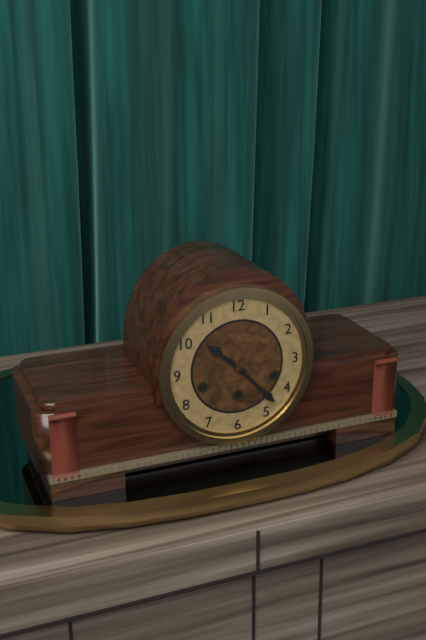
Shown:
10.23
